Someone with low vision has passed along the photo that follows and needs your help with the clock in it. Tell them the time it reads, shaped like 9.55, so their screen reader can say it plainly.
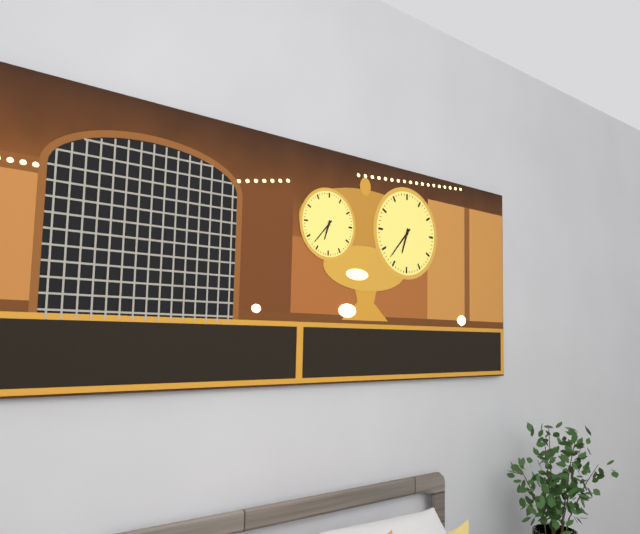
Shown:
6.37
